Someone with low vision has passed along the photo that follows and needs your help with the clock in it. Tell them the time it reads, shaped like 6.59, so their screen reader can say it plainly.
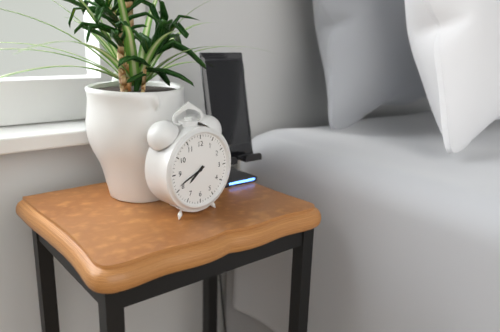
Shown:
7.41
